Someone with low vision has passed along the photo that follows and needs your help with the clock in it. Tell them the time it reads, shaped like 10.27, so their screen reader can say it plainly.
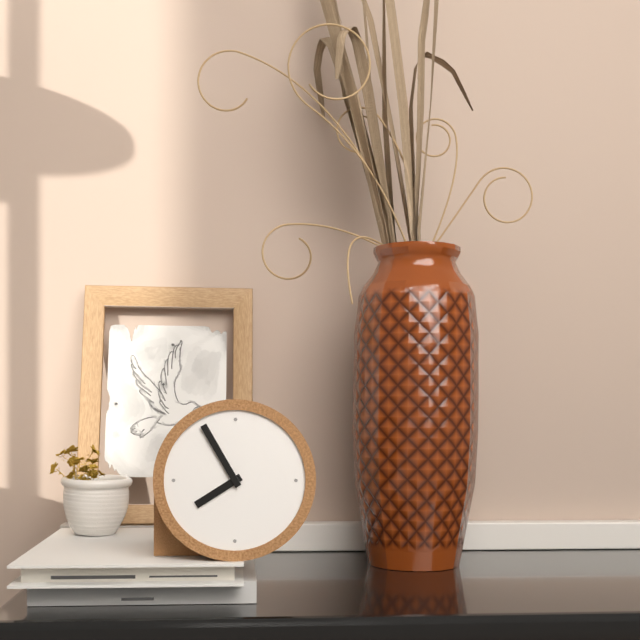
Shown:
7.55
